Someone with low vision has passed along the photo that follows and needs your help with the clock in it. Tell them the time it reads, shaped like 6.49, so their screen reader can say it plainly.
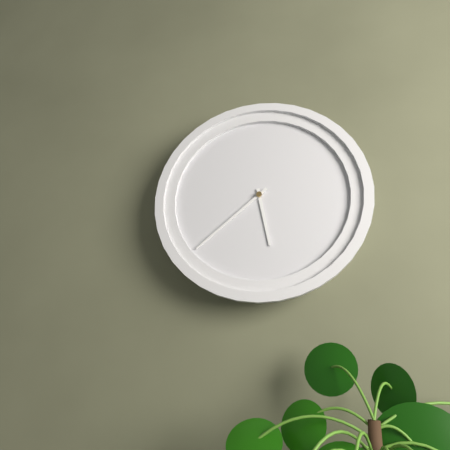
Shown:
5.38
